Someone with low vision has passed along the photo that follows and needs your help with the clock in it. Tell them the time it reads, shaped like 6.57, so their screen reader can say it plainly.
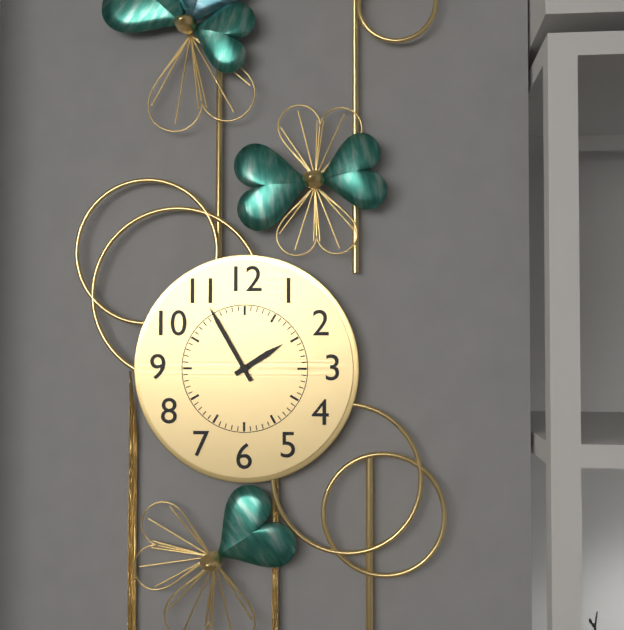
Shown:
1.55
